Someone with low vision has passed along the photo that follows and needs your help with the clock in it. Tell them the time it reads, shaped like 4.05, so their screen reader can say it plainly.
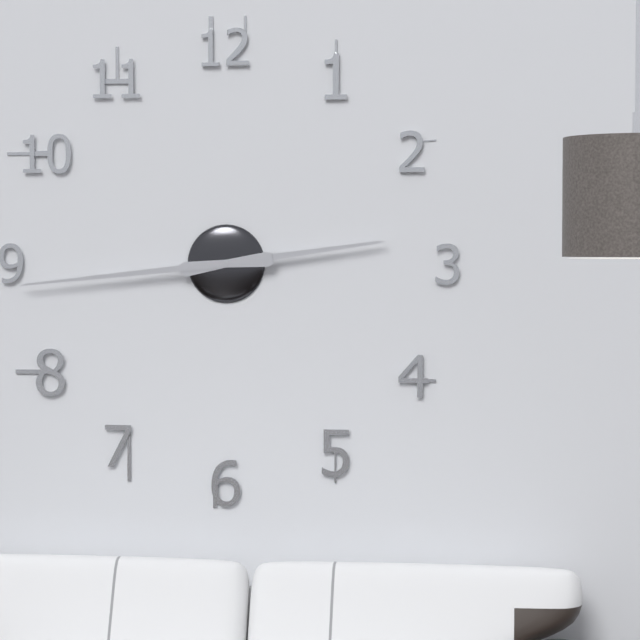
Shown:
2.44
